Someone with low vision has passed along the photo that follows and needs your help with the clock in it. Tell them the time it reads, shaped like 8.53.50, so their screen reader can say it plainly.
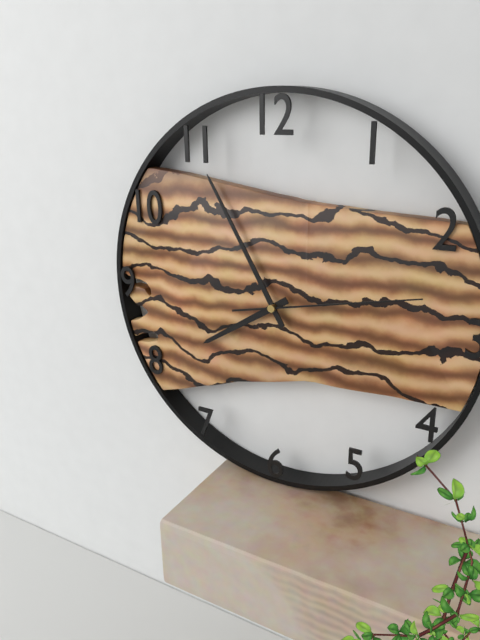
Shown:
7.55.13
